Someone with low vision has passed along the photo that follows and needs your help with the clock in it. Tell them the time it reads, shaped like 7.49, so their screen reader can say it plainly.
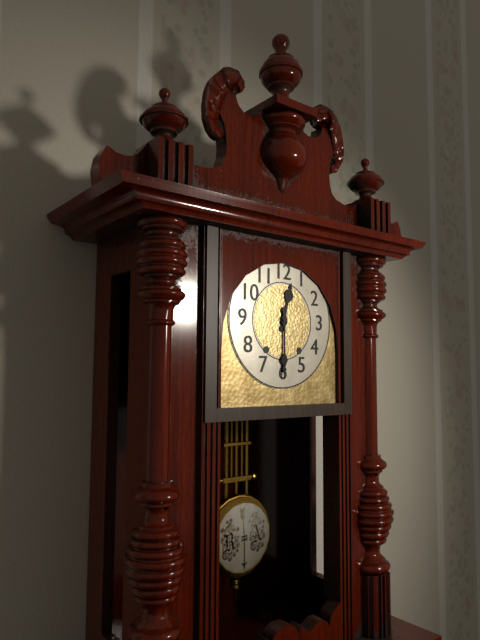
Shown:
12.30
